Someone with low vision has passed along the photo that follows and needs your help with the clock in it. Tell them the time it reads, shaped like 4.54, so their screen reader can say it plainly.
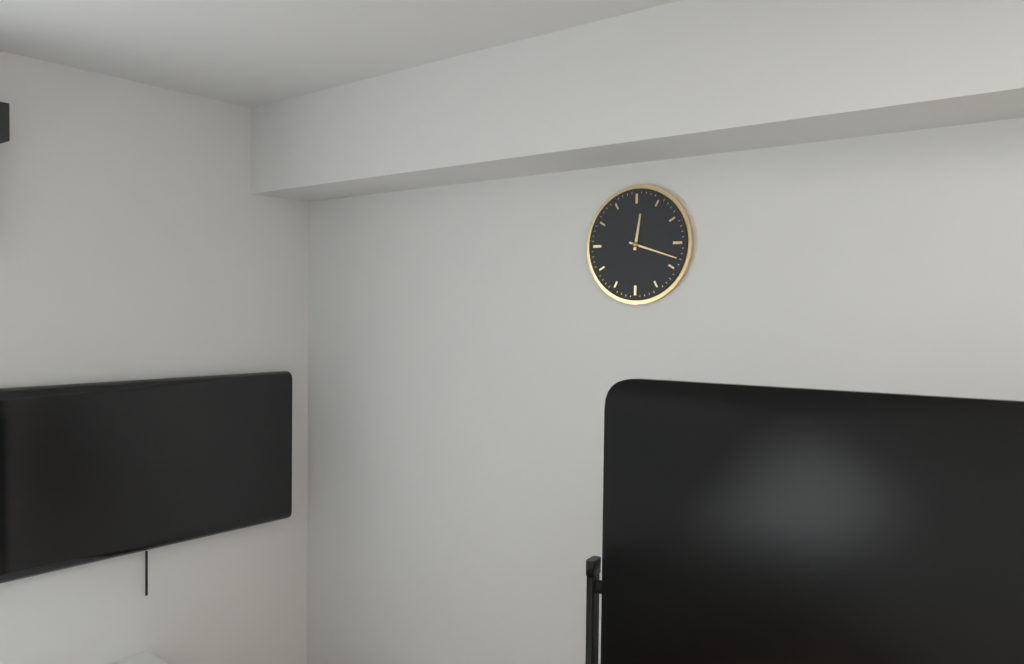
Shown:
12.18
